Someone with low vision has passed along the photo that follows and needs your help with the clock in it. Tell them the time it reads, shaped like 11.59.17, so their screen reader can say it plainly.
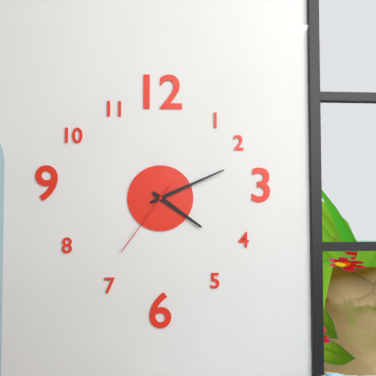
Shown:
4.11.36
